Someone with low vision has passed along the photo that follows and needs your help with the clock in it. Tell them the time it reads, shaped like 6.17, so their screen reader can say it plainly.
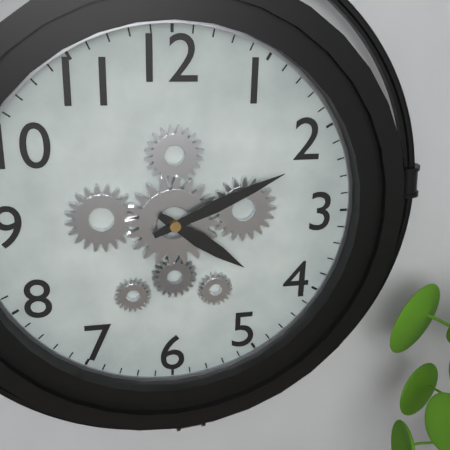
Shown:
4.11
